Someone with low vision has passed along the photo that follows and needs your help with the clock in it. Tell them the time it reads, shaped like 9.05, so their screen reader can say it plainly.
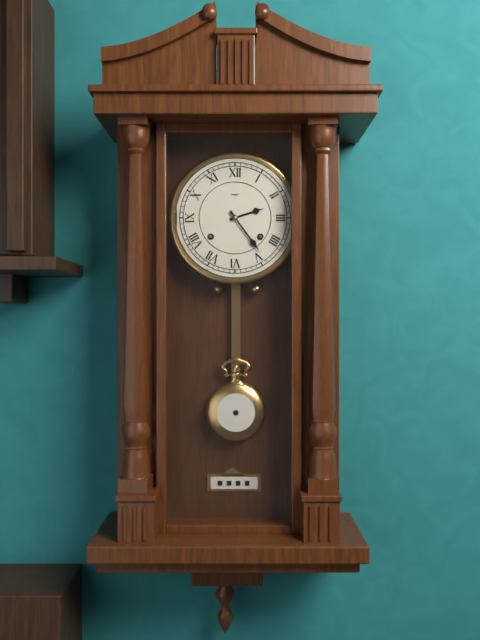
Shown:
2.24
